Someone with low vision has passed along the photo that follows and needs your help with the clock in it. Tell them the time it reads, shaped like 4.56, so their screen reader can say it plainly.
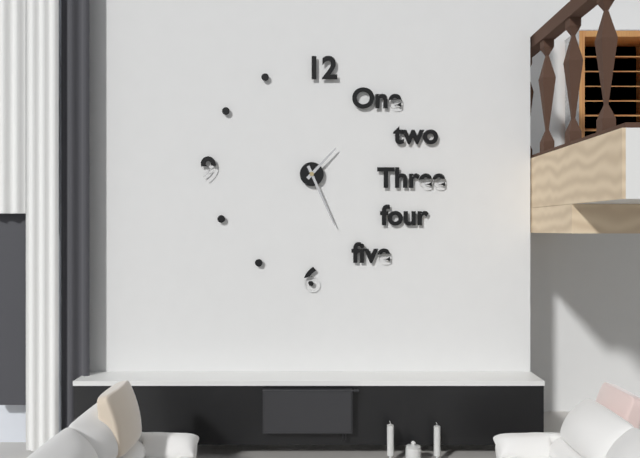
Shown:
1.26
